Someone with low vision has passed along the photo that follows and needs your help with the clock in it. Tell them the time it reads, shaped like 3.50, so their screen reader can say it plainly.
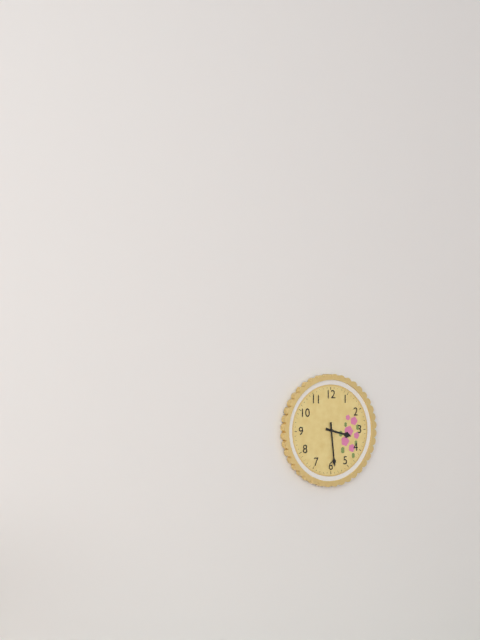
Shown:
3.29
